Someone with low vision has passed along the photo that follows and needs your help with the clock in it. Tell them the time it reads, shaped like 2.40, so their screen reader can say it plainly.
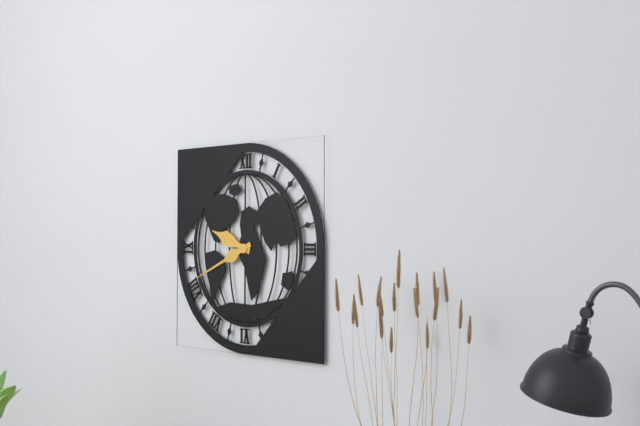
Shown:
9.41
